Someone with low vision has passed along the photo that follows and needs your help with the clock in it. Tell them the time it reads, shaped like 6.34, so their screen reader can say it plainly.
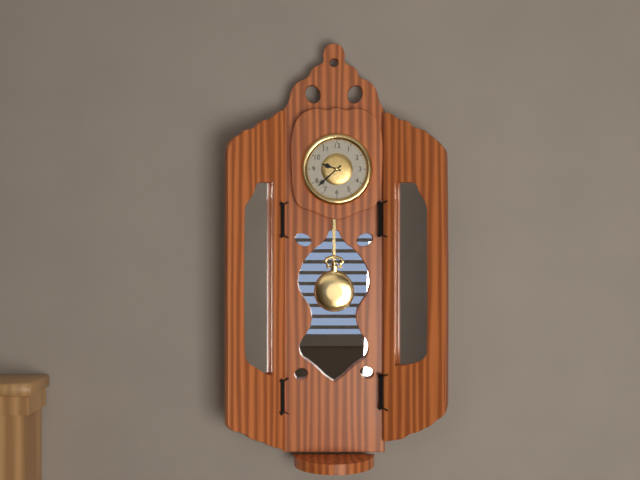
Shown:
9.38
